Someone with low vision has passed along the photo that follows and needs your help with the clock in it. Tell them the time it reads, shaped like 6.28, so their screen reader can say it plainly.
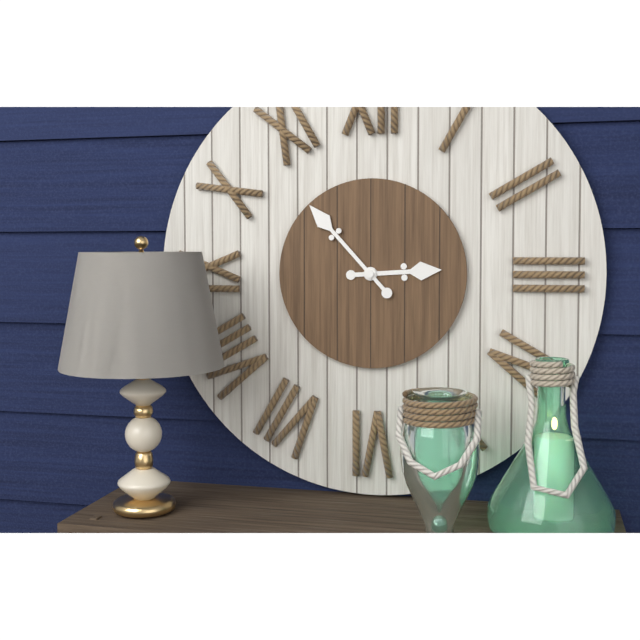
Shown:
2.53
